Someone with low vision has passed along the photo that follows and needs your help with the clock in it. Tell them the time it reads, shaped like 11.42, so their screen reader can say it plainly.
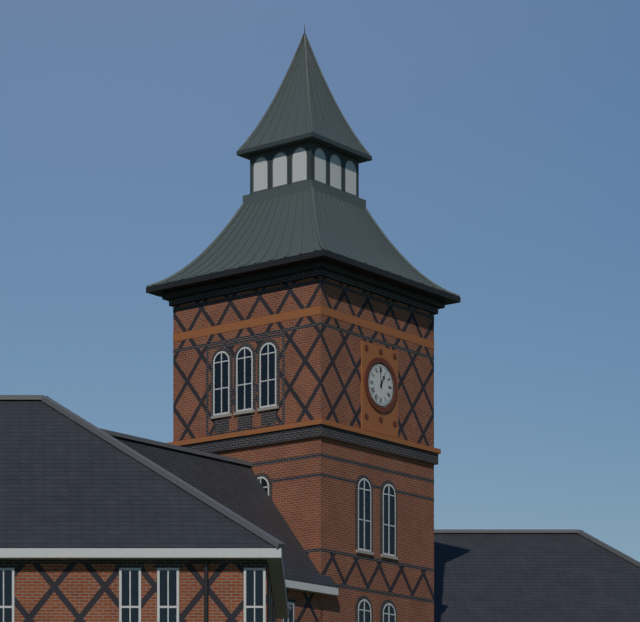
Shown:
12.59
